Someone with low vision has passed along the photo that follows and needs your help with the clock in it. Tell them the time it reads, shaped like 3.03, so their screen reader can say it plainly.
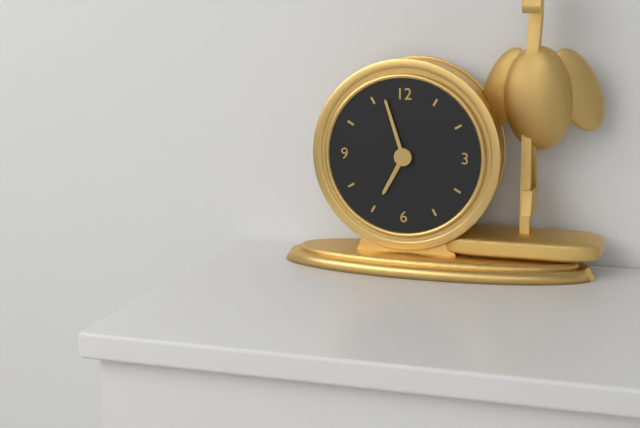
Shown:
6.57
